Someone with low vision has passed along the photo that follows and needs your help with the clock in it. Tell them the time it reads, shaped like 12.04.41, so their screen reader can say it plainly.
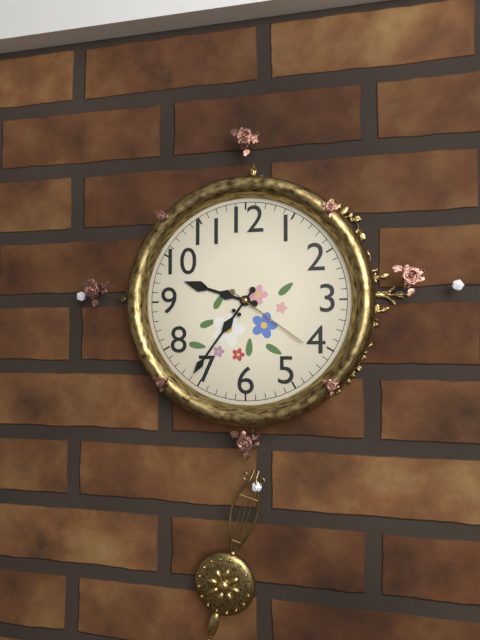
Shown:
9.36.21
